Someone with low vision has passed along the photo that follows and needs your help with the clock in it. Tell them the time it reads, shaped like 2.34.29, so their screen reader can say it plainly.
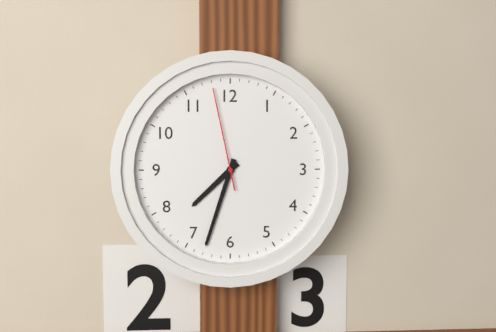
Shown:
7.33.58
